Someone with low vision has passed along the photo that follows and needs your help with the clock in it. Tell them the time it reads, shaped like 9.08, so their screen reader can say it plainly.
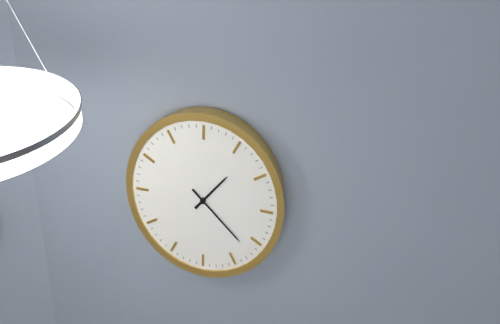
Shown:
1.22
